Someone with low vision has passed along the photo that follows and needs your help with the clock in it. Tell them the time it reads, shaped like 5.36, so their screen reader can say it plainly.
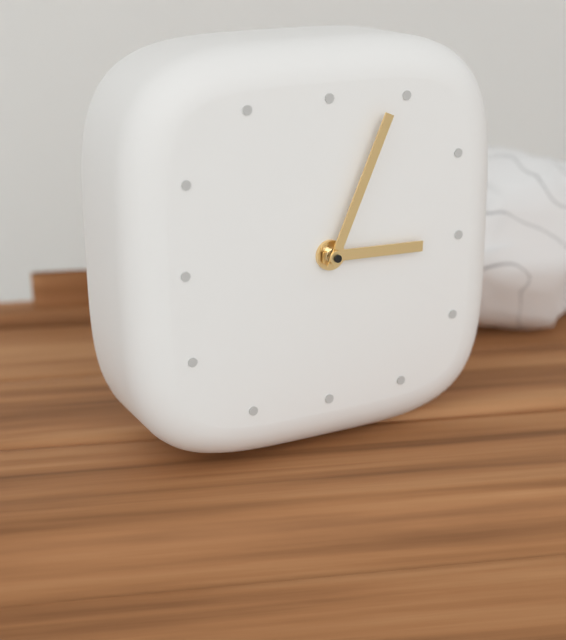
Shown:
3.04
